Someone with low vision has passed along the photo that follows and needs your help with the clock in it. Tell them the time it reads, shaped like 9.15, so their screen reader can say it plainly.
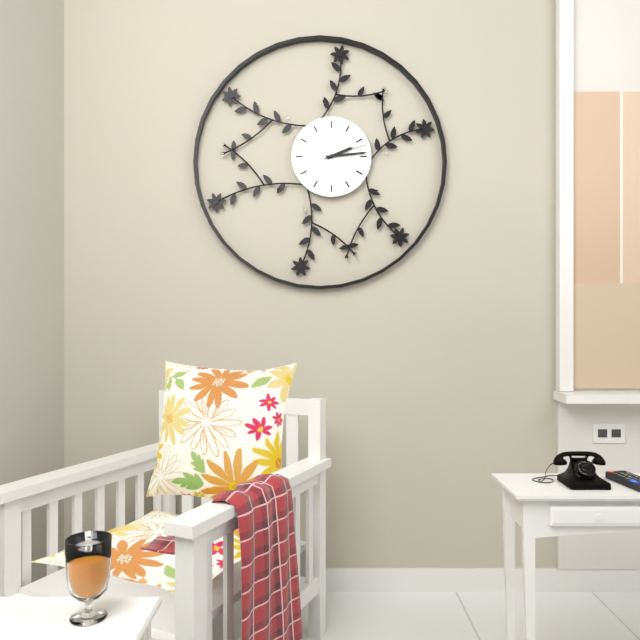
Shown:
2.14
